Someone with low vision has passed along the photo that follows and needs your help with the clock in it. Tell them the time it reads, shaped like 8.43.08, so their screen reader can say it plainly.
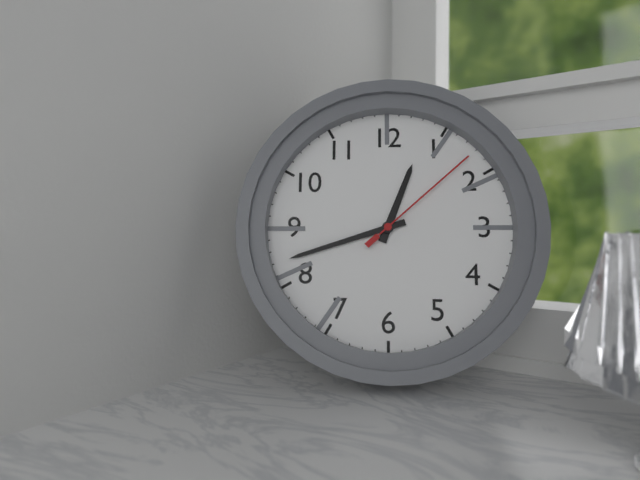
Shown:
12.42.08
